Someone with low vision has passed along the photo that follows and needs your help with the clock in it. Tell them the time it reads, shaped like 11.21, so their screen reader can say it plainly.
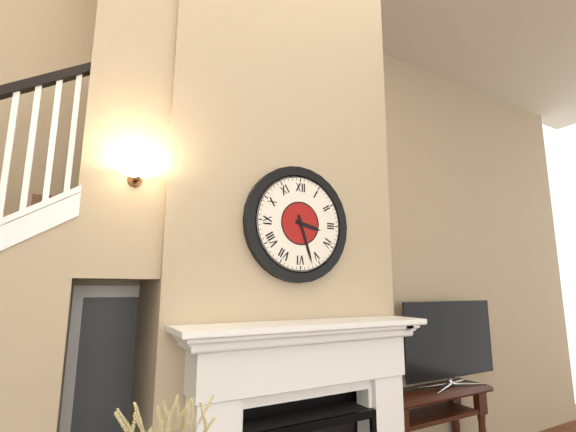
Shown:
3.27
